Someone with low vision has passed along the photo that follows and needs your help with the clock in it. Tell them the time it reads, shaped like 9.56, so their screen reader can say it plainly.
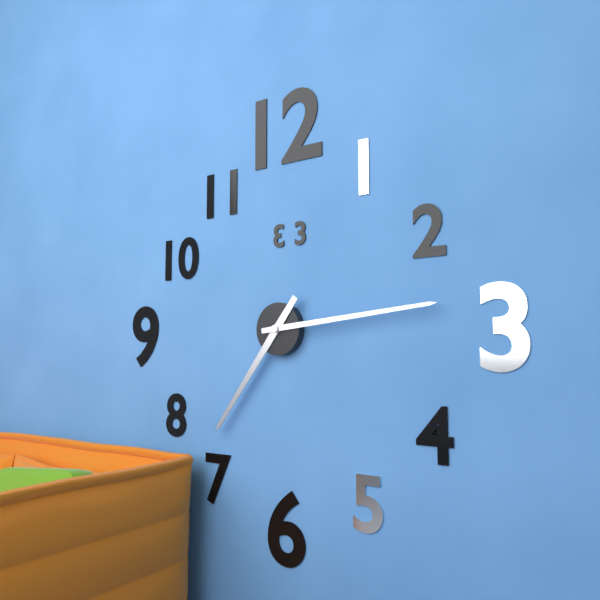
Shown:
7.14
